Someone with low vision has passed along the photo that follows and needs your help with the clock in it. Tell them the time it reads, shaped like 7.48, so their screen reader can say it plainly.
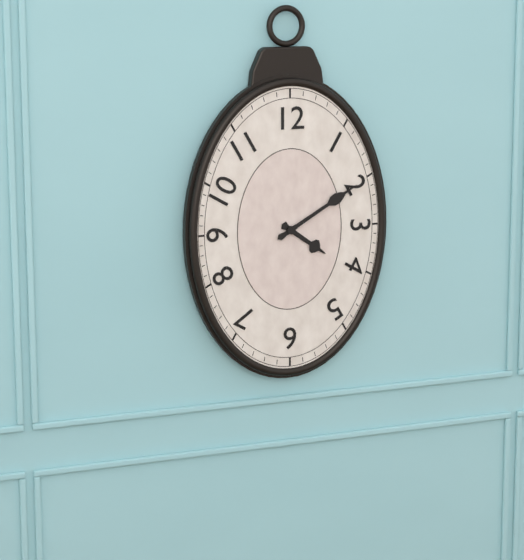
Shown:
4.10
